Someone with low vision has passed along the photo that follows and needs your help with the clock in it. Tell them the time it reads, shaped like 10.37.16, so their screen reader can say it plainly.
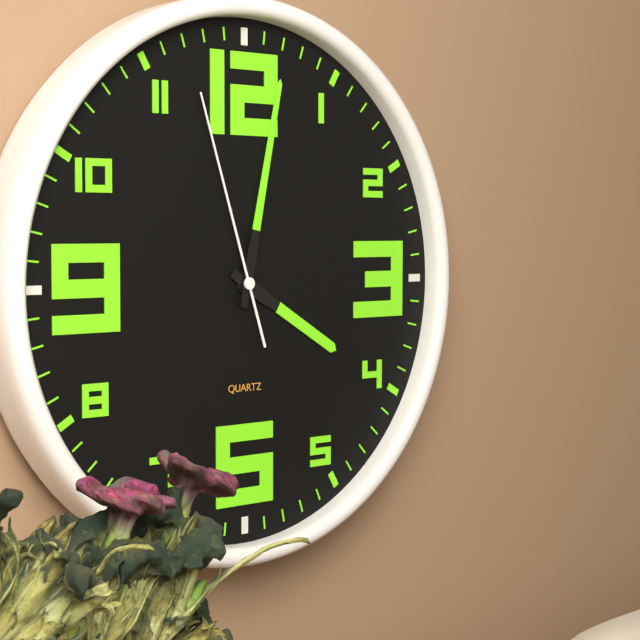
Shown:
4.02.57
